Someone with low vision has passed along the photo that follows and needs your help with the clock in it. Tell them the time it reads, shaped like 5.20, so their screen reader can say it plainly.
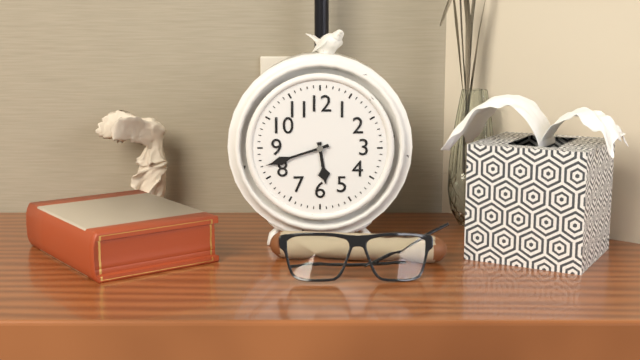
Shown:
5.42
